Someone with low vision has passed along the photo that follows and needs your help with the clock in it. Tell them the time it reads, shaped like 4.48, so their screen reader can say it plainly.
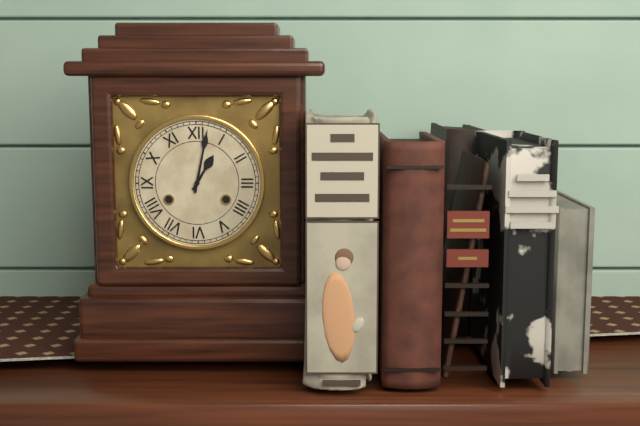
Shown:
1.02
